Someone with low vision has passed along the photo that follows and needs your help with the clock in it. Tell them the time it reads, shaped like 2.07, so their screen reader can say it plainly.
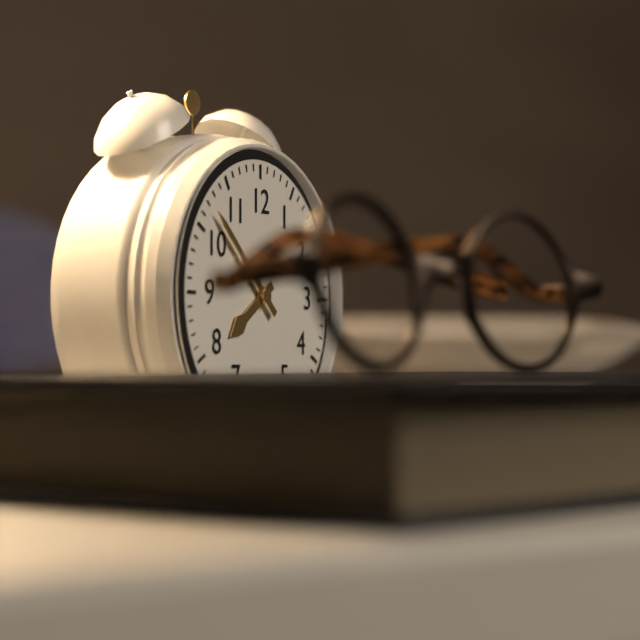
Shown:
7.52
